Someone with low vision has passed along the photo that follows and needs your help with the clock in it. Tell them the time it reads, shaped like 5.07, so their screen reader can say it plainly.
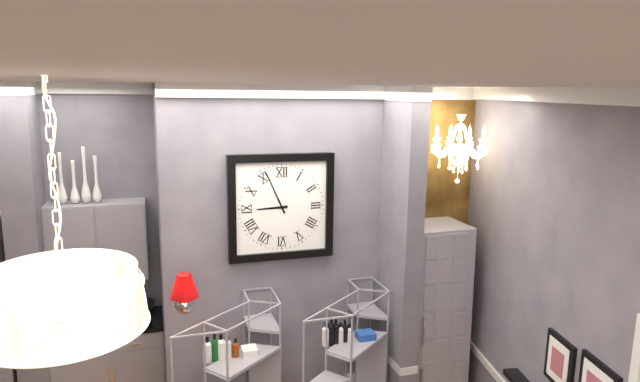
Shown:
8.56
